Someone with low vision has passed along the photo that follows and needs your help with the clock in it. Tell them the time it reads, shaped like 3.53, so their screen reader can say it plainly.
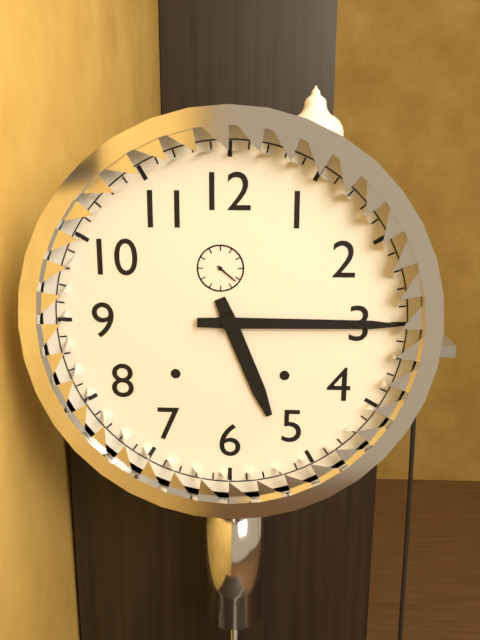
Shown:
5.15
